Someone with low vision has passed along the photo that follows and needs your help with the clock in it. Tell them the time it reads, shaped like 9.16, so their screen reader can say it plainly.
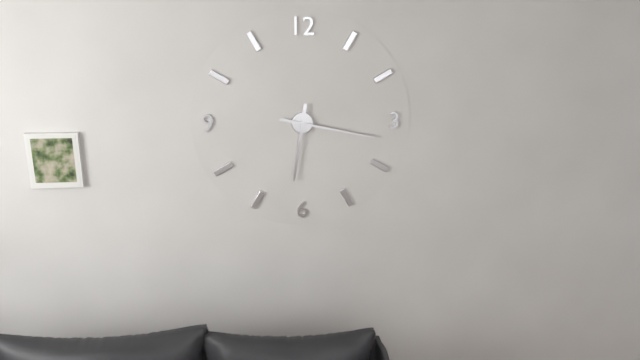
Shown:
6.17
